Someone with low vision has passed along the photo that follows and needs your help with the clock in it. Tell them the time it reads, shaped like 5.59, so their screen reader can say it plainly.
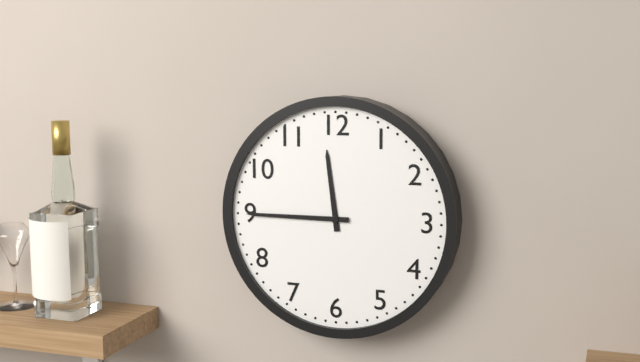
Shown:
11.45
